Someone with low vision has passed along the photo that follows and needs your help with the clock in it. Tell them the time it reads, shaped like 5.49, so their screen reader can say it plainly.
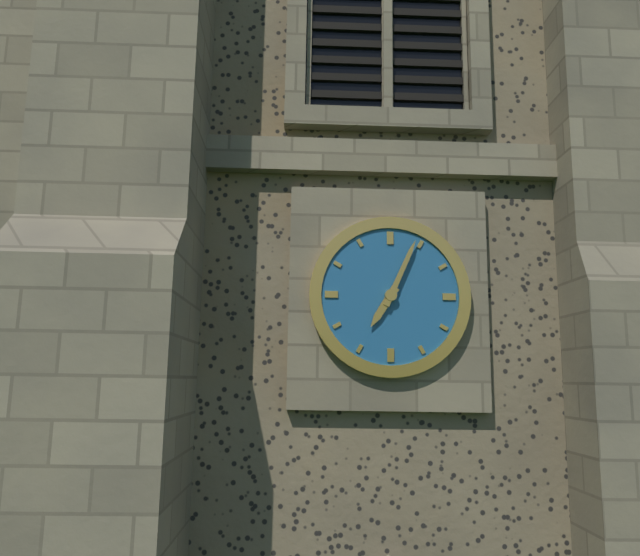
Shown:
7.04
